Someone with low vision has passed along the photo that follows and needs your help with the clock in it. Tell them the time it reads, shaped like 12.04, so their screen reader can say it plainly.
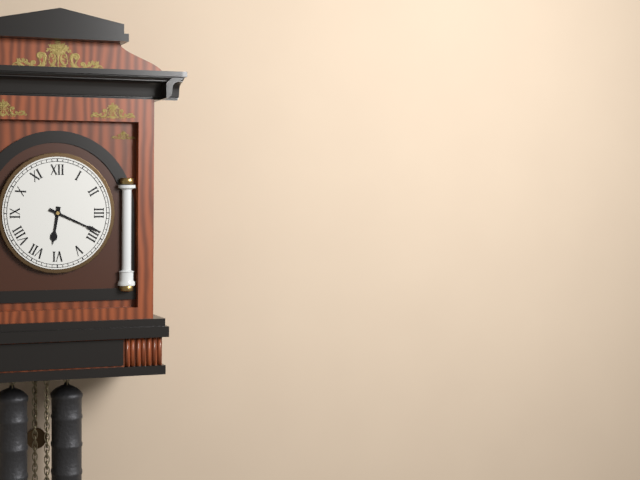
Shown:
6.19
